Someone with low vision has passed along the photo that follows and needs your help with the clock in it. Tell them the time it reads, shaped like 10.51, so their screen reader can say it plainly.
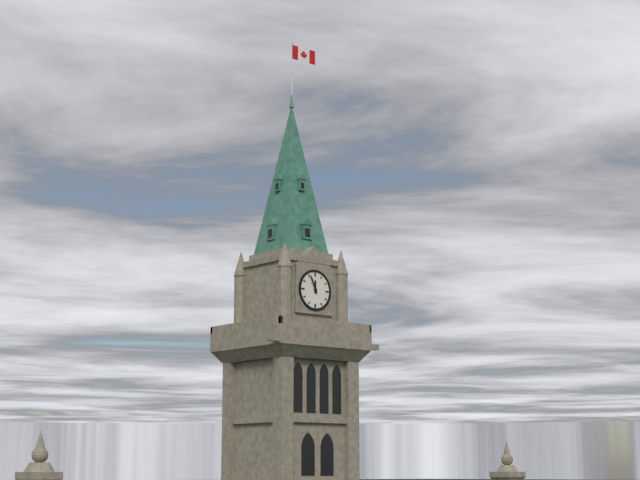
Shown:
11.56
